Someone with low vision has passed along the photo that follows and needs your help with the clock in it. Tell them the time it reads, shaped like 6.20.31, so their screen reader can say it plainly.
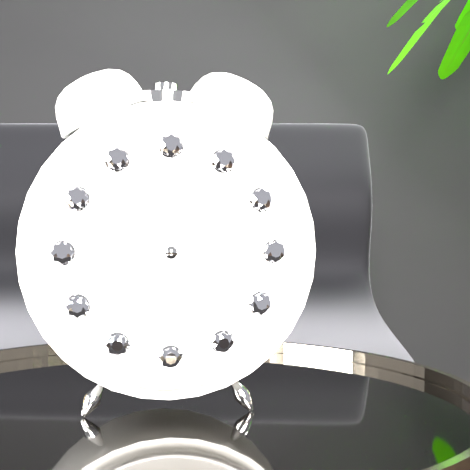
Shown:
6.12.34
